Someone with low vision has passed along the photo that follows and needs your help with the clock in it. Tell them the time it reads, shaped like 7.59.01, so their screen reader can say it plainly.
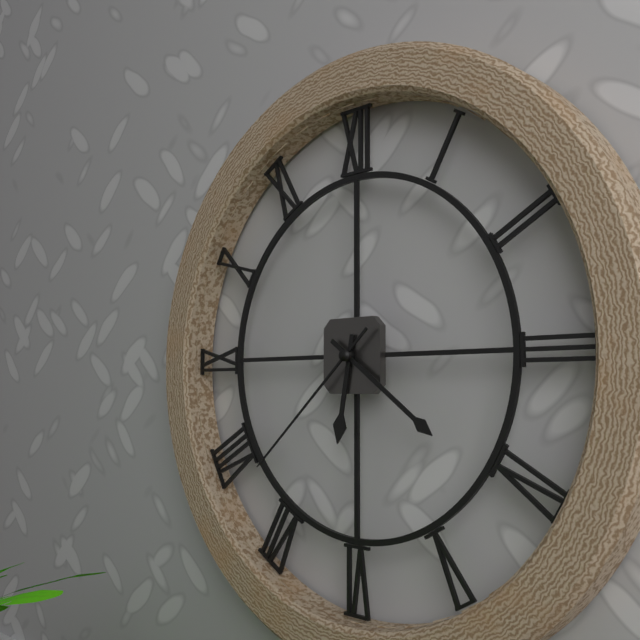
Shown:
6.21.38
